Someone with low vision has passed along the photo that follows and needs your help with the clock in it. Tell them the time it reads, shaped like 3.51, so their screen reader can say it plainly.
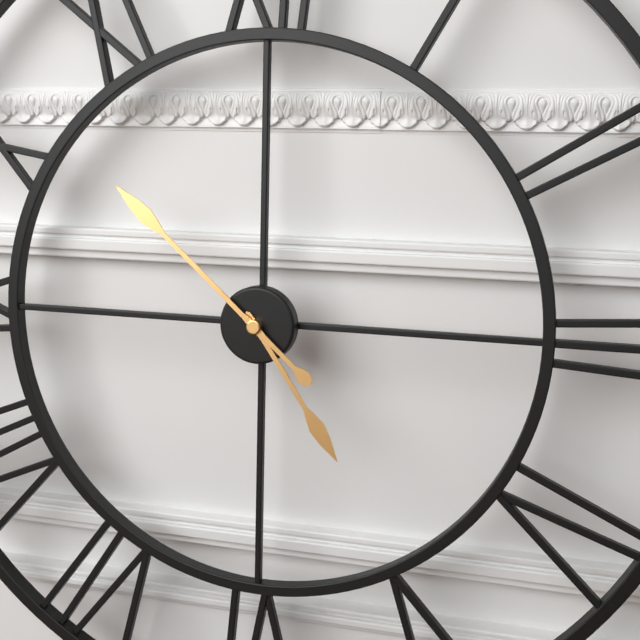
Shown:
4.52
